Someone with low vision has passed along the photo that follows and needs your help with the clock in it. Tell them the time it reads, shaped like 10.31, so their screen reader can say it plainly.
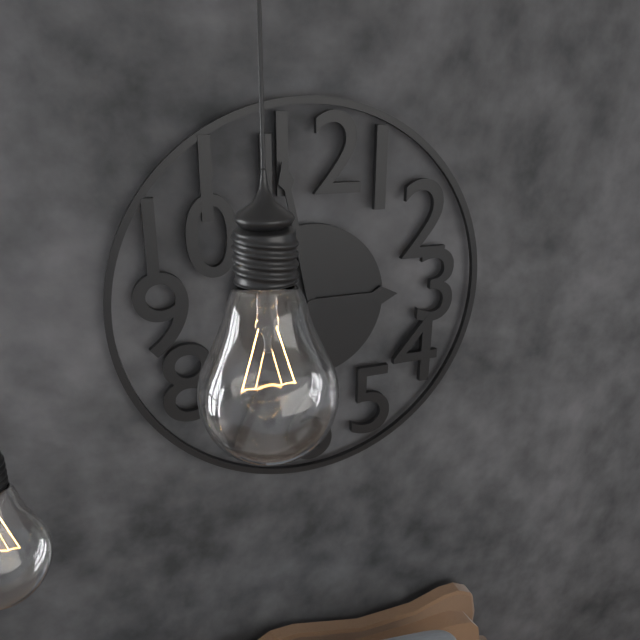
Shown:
2.58
